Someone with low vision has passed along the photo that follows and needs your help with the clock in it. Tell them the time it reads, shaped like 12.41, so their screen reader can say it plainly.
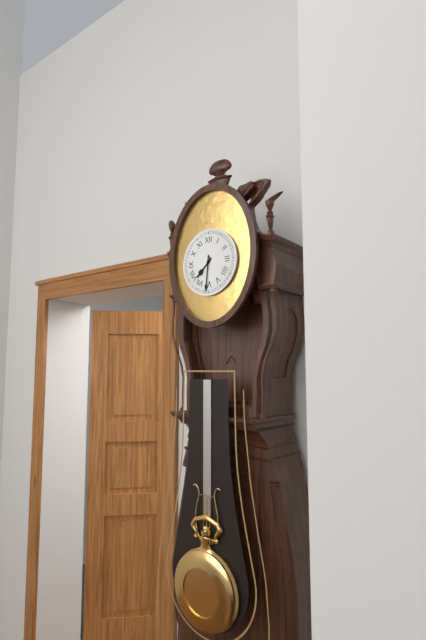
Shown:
7.31
